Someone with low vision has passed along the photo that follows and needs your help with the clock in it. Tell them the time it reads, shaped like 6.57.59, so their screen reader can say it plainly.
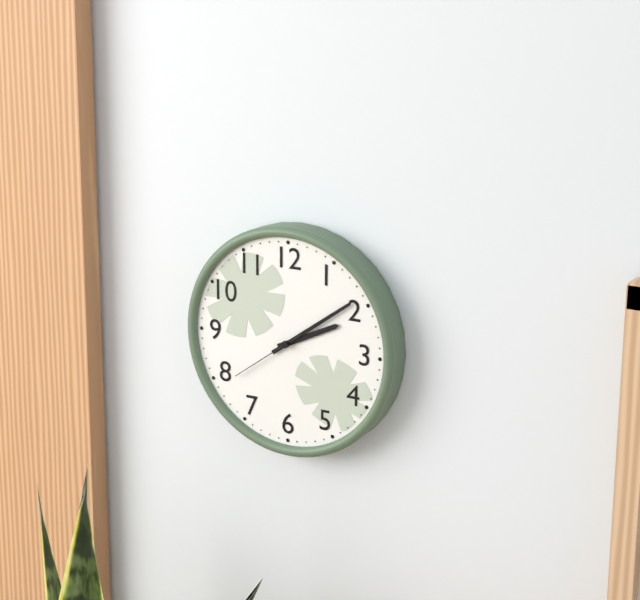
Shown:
2.09.39
